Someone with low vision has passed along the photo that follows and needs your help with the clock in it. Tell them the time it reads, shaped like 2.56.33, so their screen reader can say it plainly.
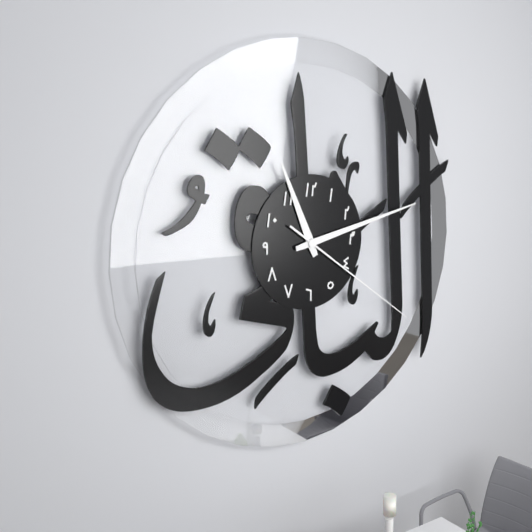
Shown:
11.13.21
